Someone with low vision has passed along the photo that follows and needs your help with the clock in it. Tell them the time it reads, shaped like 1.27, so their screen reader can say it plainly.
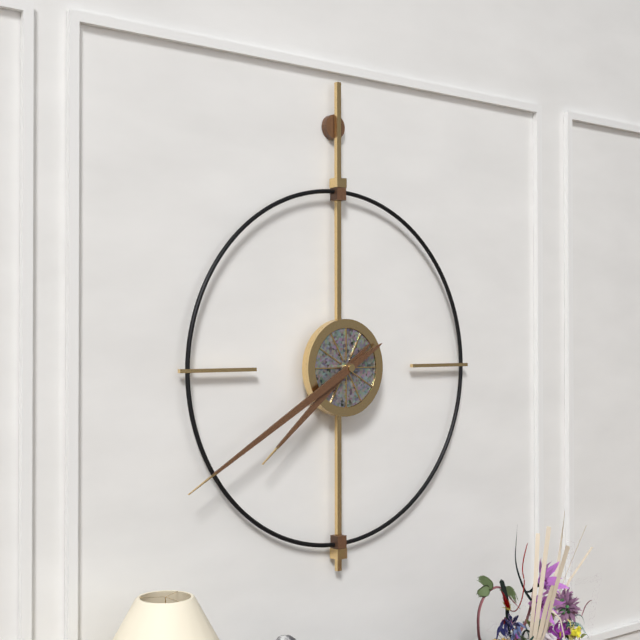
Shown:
7.40
